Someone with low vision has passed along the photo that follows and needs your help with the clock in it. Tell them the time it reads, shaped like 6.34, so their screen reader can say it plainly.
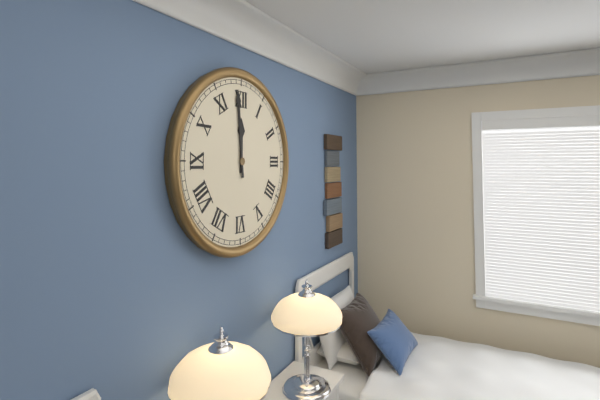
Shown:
11.59
